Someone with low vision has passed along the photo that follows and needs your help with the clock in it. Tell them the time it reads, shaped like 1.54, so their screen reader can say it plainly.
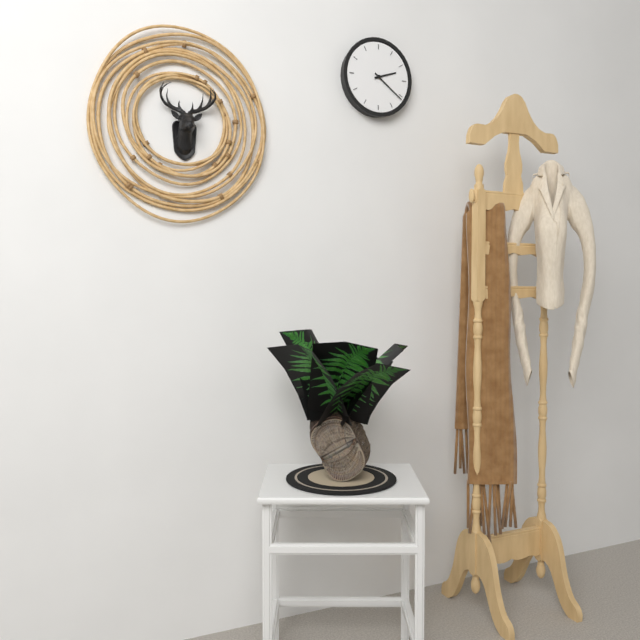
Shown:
2.21
